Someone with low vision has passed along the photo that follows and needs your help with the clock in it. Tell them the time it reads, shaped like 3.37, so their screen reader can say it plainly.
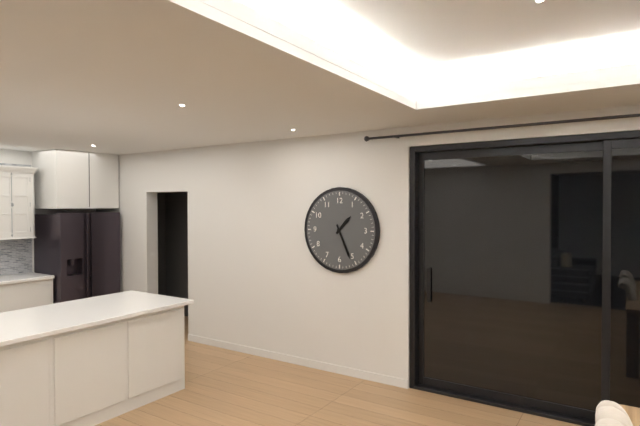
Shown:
1.26
